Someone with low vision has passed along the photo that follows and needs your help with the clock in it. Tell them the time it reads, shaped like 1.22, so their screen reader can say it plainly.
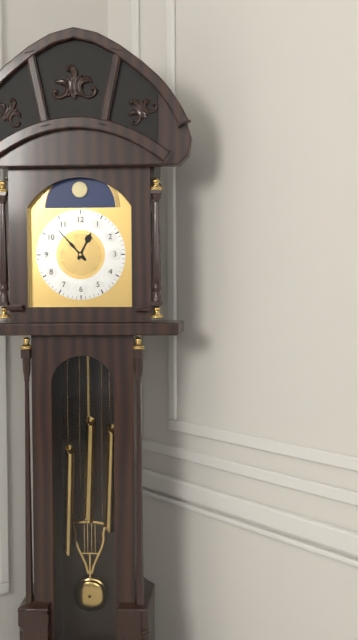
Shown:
12.53
